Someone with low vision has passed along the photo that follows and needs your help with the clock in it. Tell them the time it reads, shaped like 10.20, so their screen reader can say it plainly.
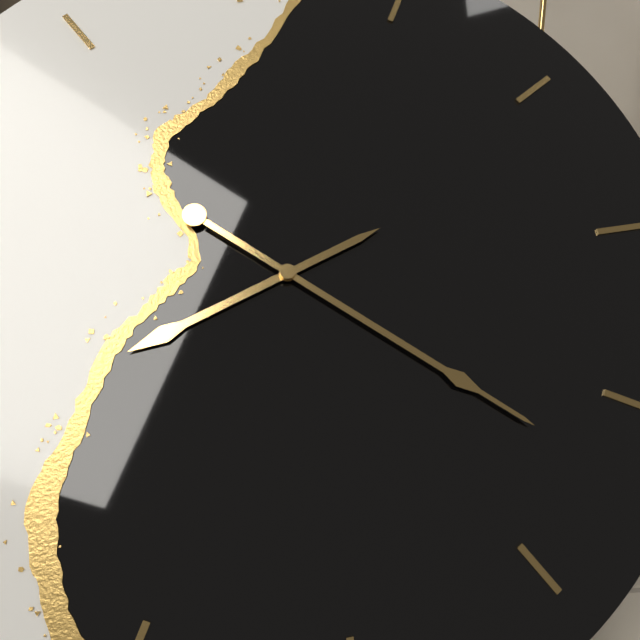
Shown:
8.22
